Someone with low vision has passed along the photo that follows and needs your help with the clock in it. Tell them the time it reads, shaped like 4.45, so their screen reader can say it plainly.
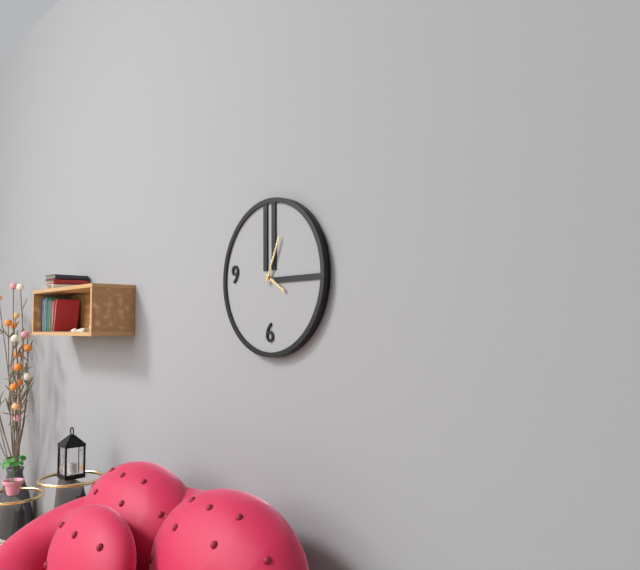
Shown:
4.04
